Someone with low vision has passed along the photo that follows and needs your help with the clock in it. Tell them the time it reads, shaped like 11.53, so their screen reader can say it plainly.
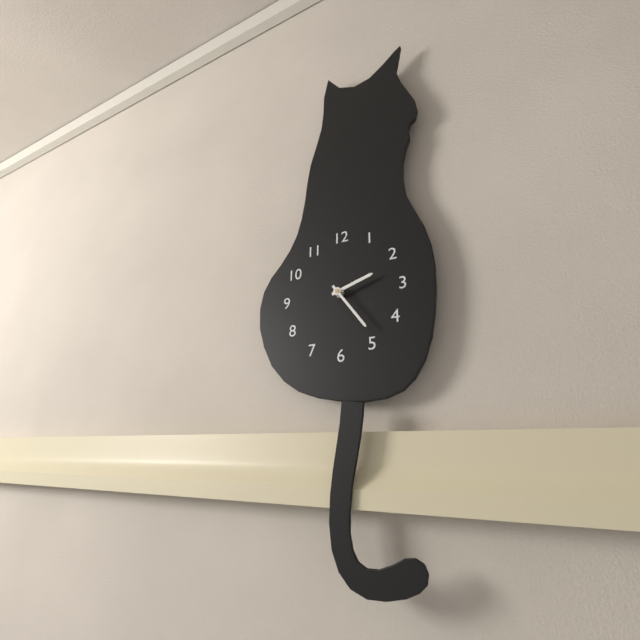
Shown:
2.24
